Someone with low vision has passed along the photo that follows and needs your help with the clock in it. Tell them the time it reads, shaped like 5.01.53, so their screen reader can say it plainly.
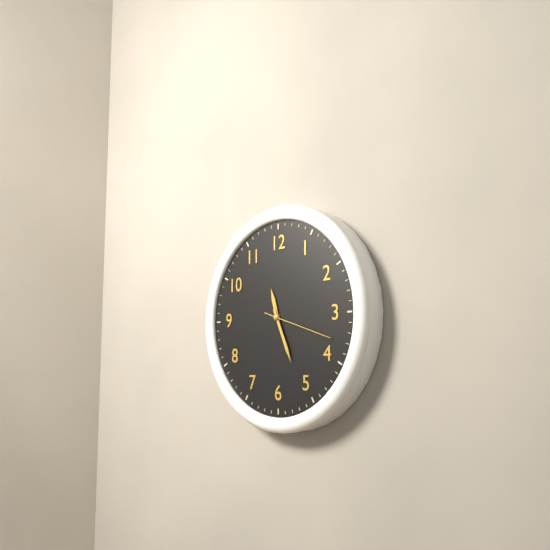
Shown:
11.26.18
